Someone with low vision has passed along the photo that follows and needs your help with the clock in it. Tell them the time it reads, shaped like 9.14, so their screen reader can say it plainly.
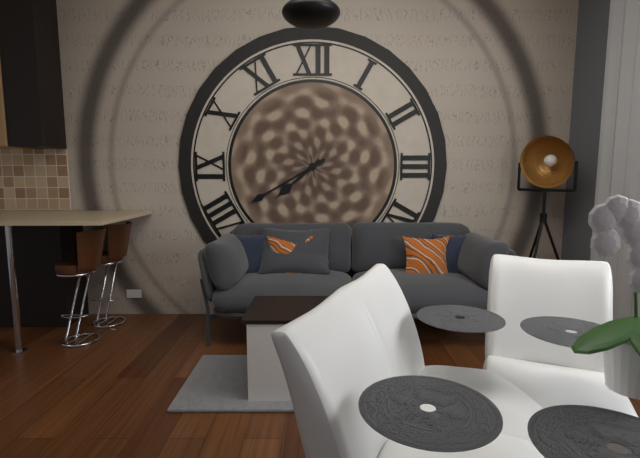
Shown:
7.40
